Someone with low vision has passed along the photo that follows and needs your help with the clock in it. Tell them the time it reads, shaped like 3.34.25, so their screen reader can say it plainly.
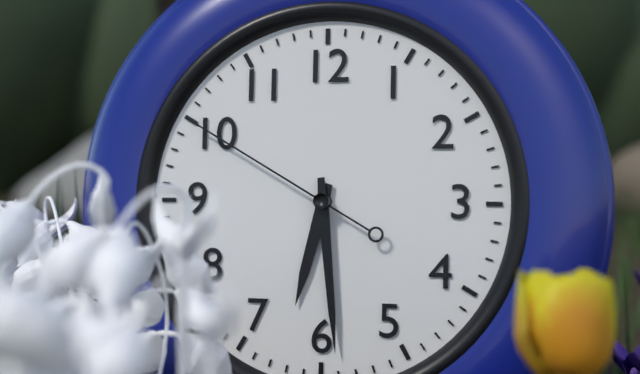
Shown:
6.29.50
